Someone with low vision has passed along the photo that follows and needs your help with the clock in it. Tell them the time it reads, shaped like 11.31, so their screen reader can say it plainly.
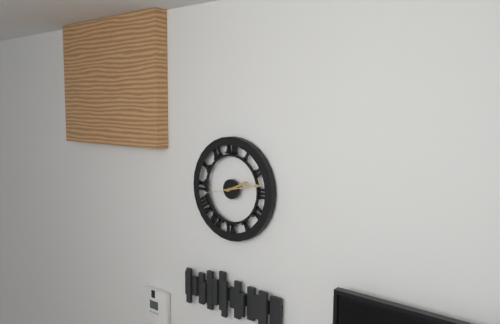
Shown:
2.13
